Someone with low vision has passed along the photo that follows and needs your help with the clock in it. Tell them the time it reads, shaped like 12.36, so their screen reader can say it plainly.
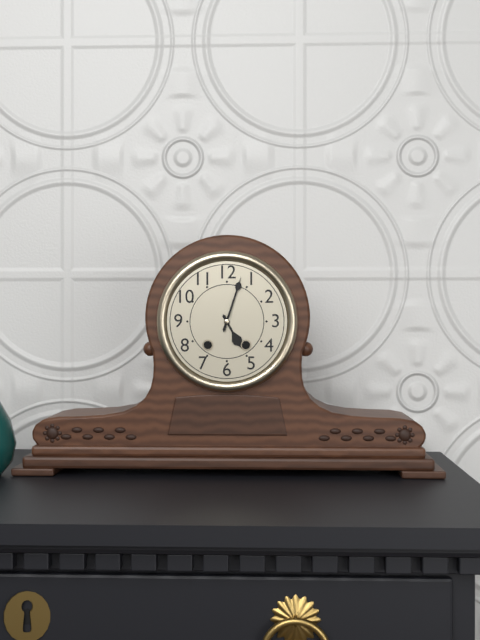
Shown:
5.03
